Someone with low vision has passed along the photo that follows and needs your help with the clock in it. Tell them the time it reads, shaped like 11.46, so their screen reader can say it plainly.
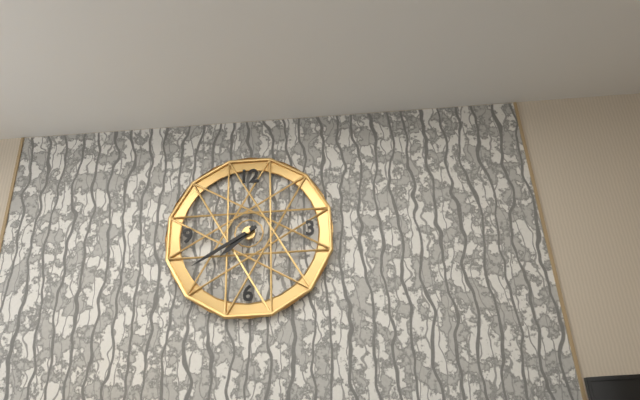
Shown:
7.40
